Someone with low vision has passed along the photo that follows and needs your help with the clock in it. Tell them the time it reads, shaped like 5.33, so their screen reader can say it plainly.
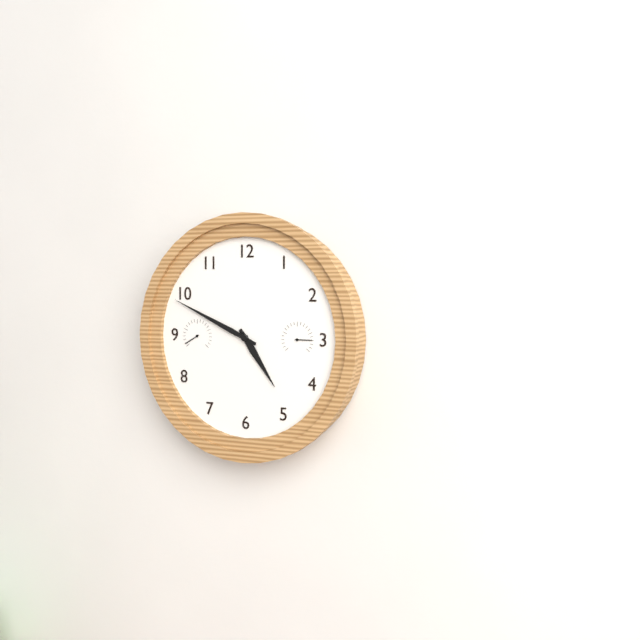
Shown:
4.49
